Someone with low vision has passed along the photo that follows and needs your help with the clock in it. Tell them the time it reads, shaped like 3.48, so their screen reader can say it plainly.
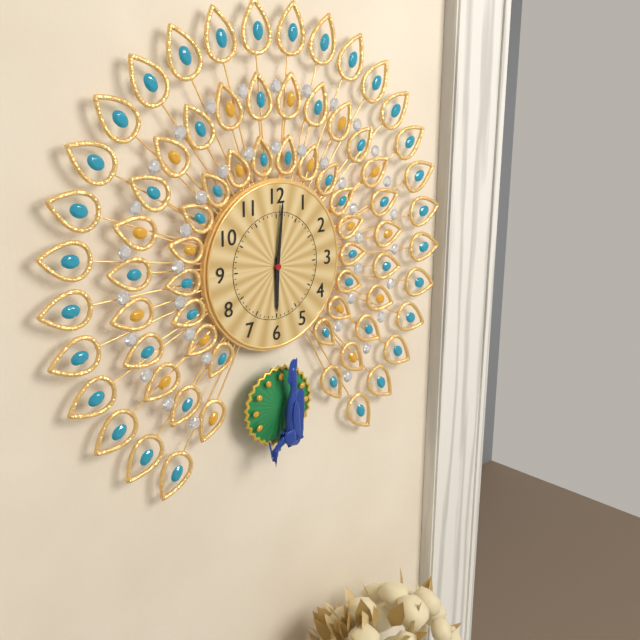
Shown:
6.01
